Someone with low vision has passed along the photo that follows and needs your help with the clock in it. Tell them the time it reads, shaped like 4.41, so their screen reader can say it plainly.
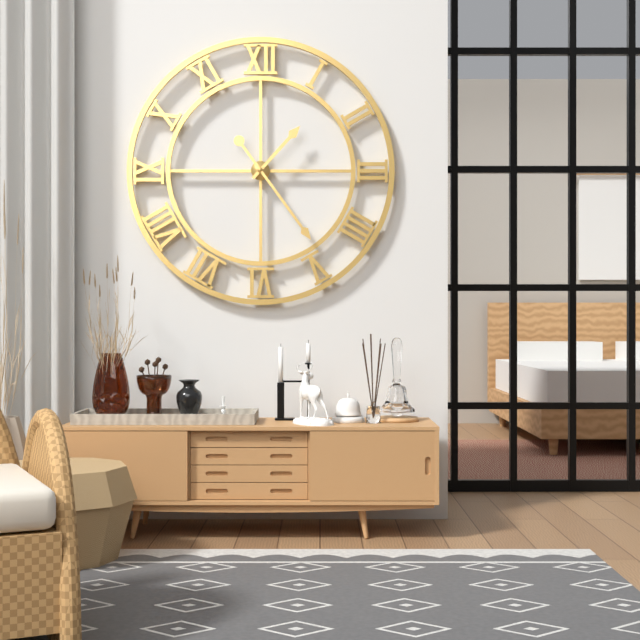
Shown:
1.24
